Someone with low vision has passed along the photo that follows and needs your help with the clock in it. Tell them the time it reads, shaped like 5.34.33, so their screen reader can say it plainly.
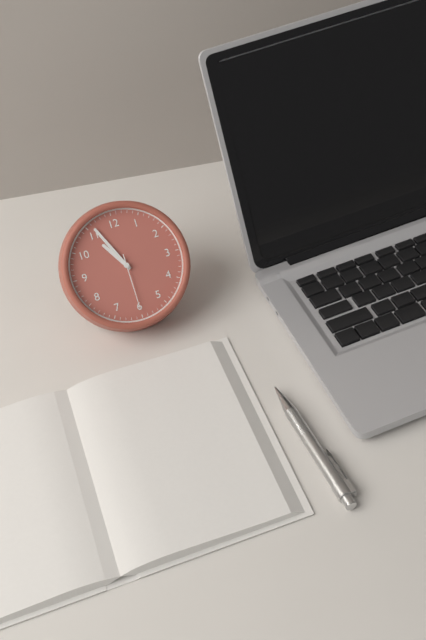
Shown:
10.56.30
